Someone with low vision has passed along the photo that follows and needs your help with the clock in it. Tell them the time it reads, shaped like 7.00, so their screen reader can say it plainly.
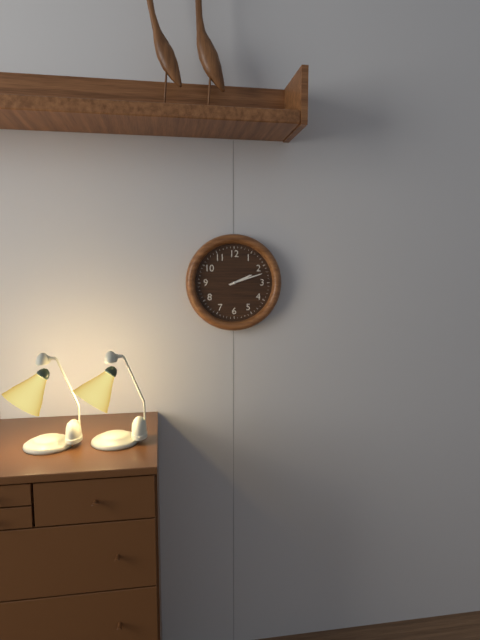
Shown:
2.12
